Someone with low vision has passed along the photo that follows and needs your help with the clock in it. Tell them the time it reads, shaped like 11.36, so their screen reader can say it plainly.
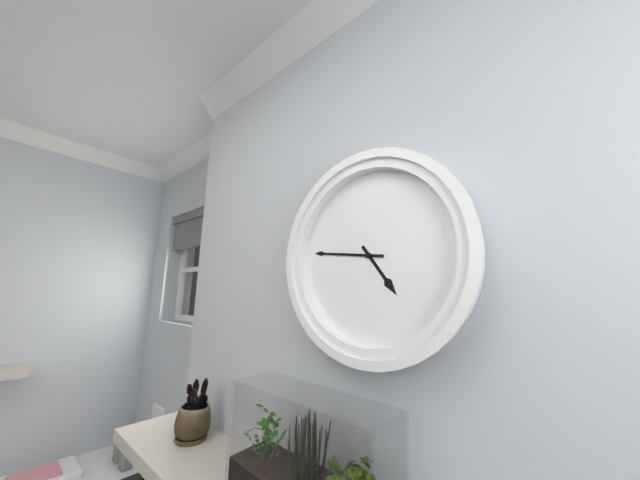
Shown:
4.46
